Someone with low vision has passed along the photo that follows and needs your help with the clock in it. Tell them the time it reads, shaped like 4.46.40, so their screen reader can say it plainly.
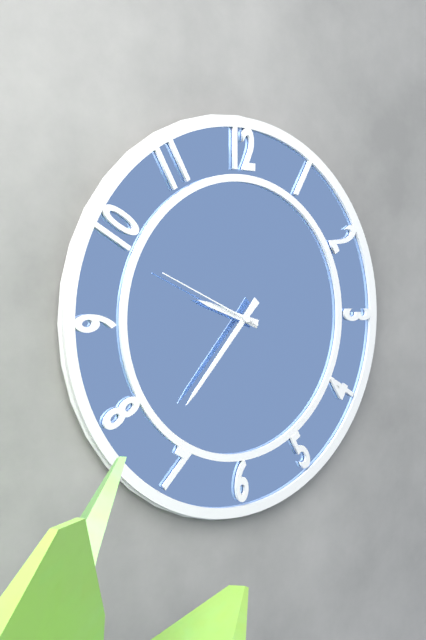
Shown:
9.37.49
